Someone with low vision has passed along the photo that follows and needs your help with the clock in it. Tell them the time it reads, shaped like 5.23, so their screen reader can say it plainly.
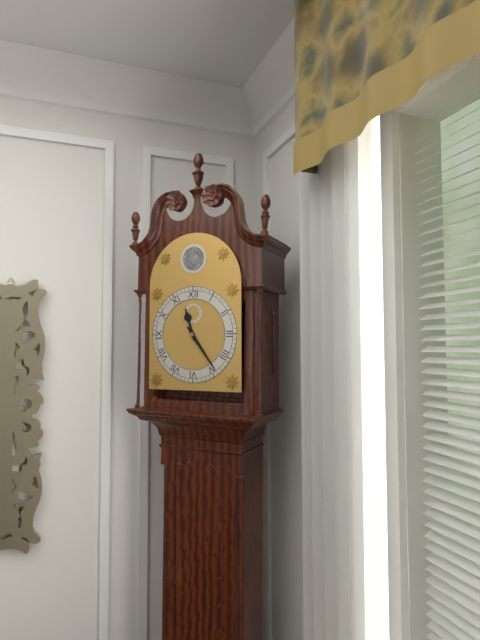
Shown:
11.24
